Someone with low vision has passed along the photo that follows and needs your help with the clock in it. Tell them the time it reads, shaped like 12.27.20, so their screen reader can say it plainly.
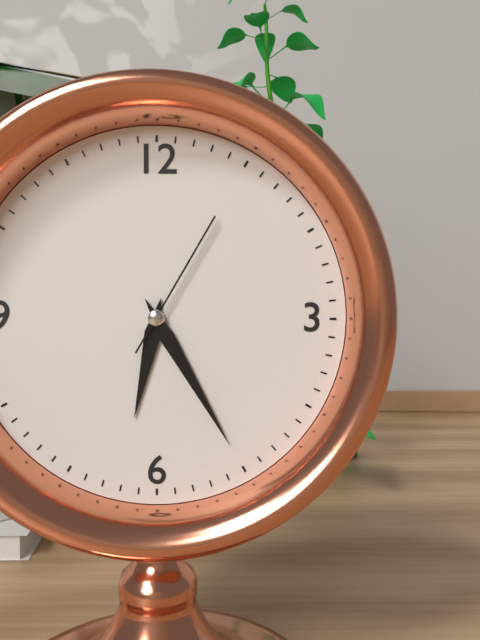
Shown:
6.25.05
